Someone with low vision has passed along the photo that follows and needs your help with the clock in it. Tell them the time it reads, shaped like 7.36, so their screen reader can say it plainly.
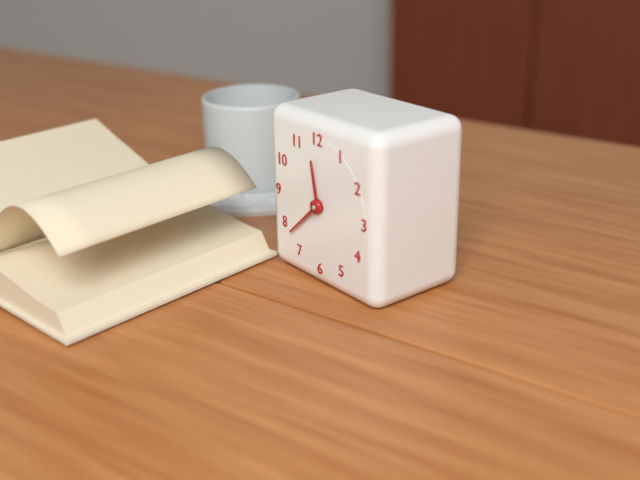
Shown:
11.38
